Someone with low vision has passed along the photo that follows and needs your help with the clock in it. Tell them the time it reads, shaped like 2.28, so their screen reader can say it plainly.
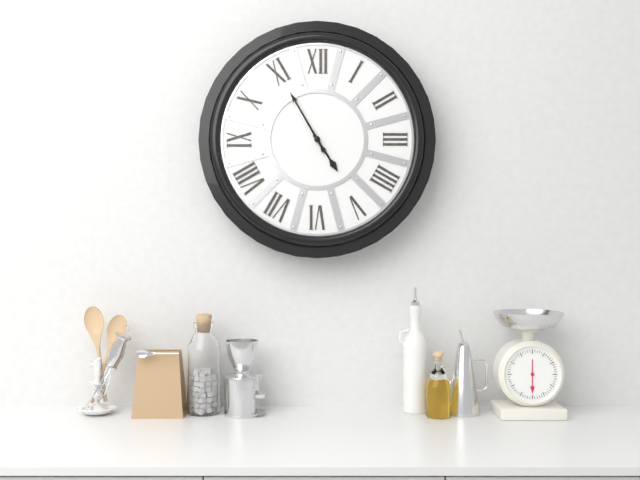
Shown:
4.55
